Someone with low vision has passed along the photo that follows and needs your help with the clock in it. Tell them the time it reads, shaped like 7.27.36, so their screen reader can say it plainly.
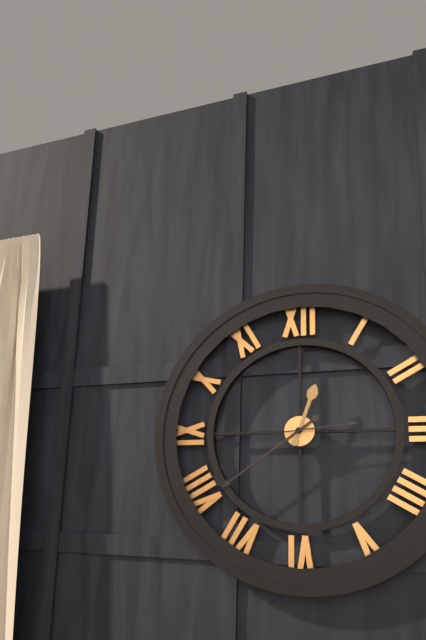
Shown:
12.39.14
